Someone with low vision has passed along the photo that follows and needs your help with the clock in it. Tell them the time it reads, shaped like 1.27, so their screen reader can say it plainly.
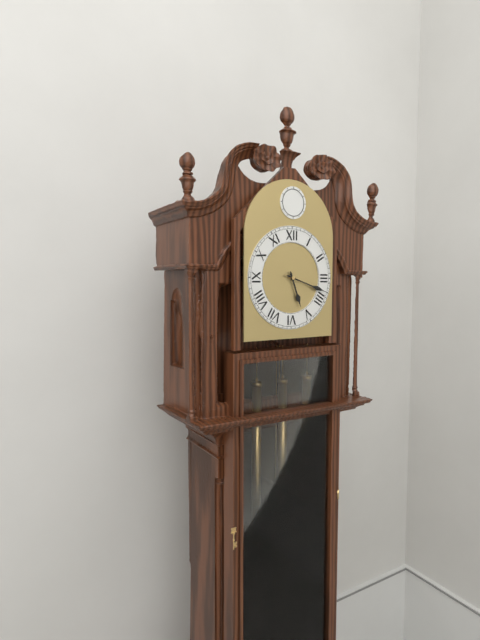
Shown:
5.18
